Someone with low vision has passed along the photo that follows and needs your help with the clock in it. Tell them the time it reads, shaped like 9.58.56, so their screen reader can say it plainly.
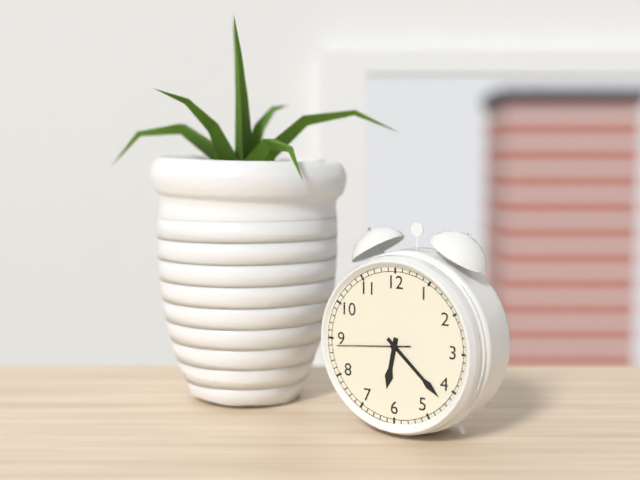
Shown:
6.22.44
